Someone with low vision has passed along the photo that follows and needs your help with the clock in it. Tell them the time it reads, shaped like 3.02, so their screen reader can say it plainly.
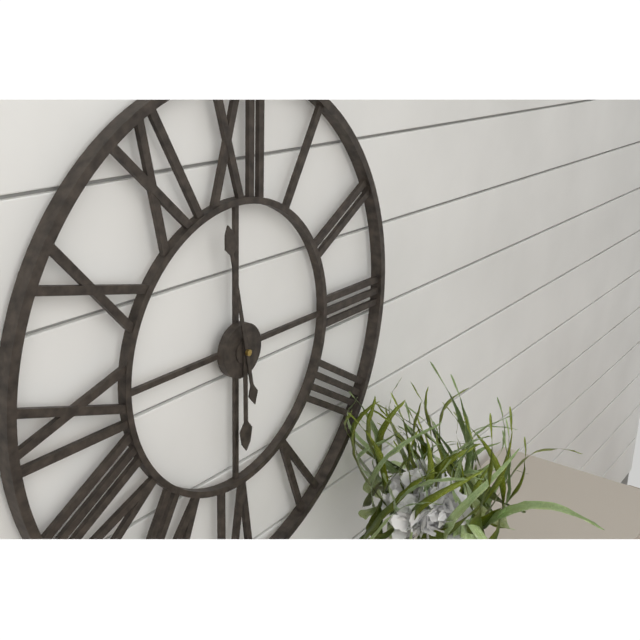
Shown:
5.58
